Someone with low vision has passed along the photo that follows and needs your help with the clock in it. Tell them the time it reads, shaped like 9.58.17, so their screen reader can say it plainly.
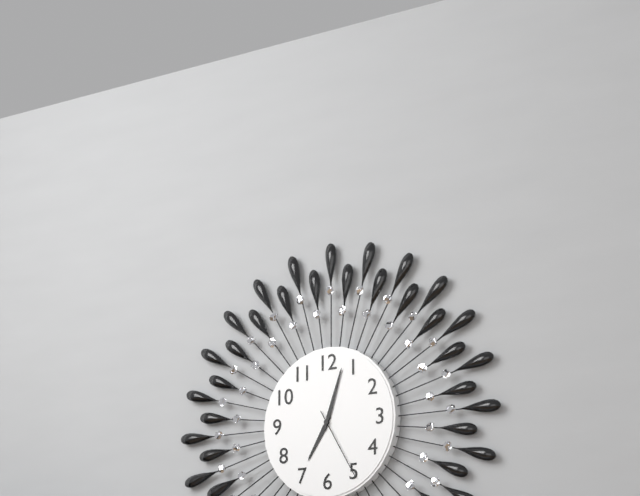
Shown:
7.03.25
